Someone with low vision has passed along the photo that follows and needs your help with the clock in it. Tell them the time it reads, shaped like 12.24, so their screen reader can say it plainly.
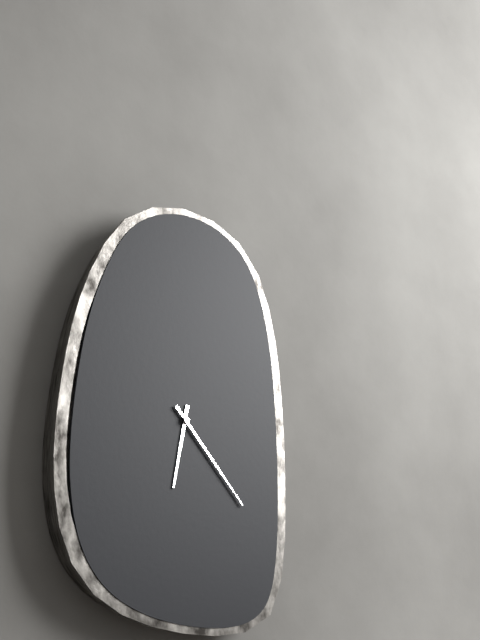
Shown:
6.23
